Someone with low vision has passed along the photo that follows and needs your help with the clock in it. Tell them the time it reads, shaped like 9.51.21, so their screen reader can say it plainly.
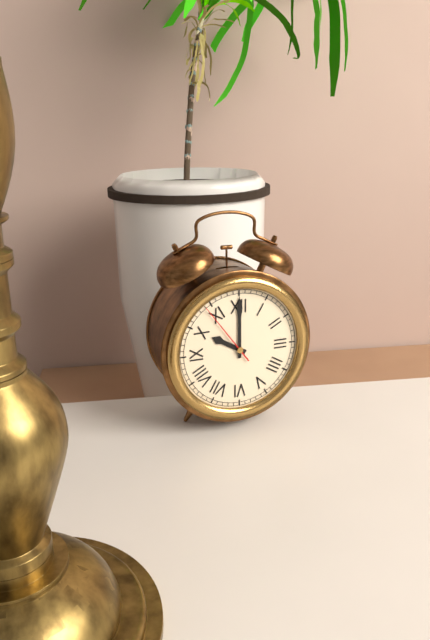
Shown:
10.00.54
